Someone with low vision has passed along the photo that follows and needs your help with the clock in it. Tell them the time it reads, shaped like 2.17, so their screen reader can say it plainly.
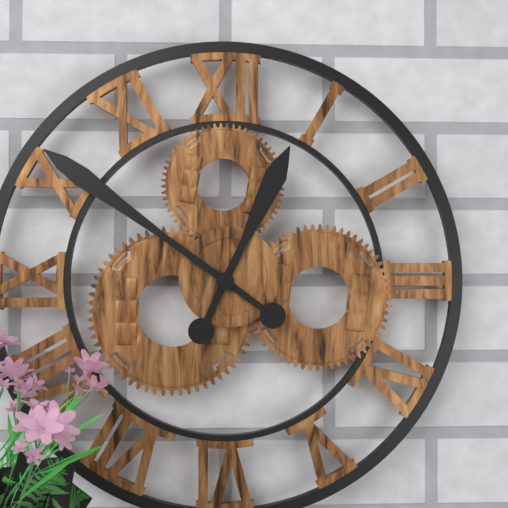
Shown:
12.51
